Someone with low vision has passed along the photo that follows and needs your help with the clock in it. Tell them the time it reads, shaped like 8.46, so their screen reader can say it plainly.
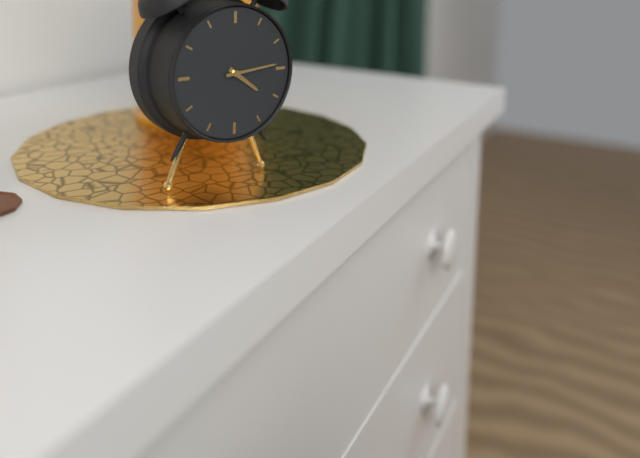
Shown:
4.14
